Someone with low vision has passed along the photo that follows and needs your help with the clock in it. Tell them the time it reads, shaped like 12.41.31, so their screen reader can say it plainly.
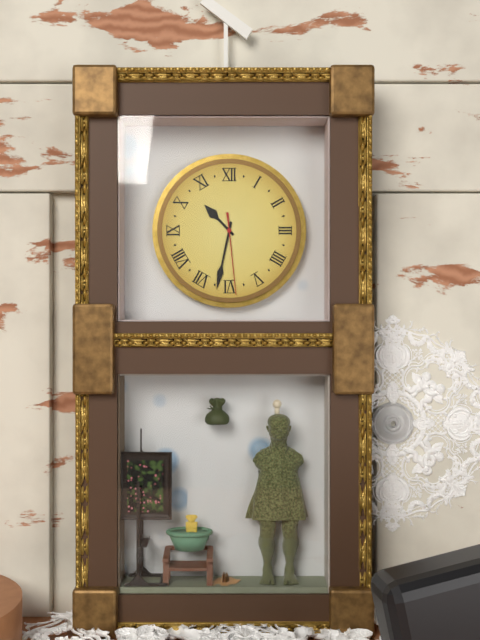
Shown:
10.32.29
